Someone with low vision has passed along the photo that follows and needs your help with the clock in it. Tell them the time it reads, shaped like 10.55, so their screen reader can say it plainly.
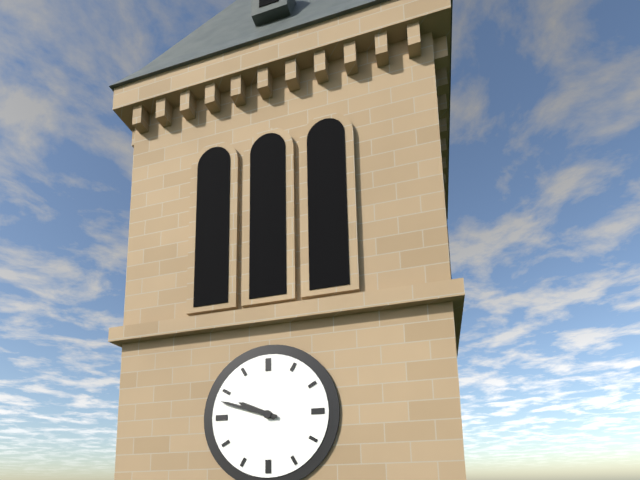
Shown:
9.48
